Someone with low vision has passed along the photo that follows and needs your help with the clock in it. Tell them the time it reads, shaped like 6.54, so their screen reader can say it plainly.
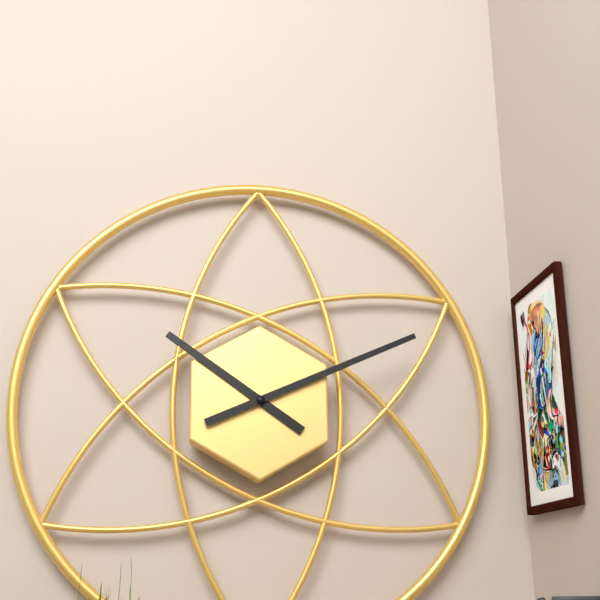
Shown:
10.11
